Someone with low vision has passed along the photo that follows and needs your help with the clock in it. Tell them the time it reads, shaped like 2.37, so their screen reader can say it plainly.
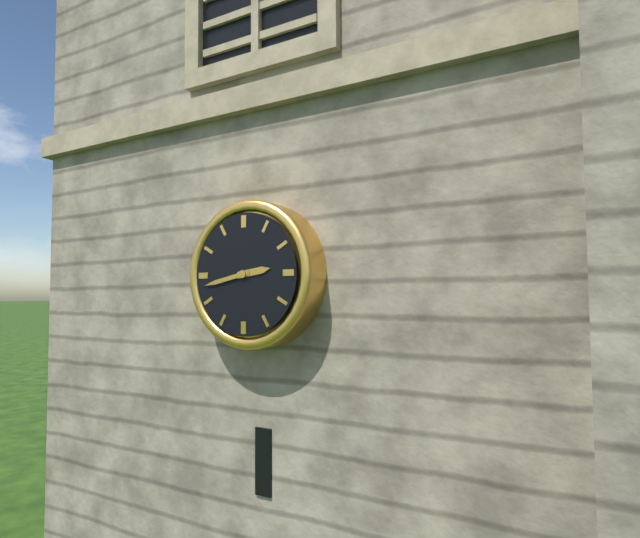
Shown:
2.43
